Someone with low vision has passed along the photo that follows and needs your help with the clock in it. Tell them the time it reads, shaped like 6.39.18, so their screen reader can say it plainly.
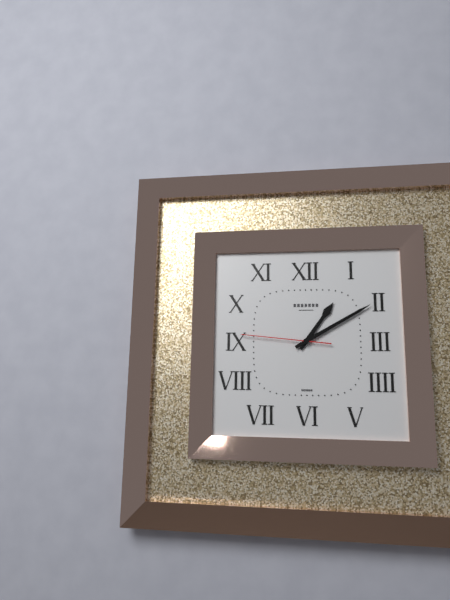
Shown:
1.10.46
